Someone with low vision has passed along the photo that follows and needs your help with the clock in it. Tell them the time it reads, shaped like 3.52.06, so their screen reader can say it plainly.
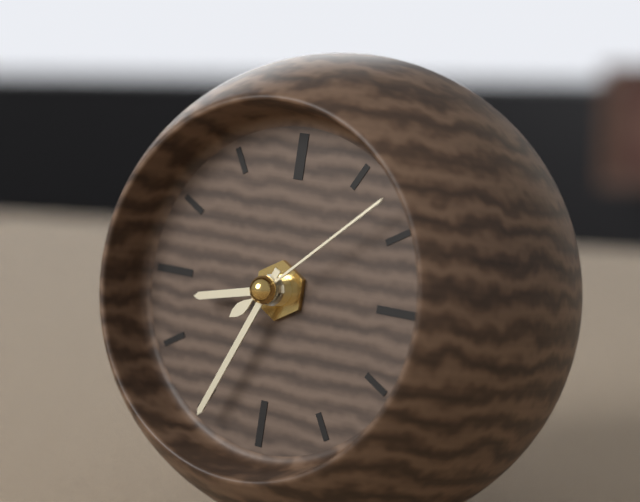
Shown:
8.34.08
